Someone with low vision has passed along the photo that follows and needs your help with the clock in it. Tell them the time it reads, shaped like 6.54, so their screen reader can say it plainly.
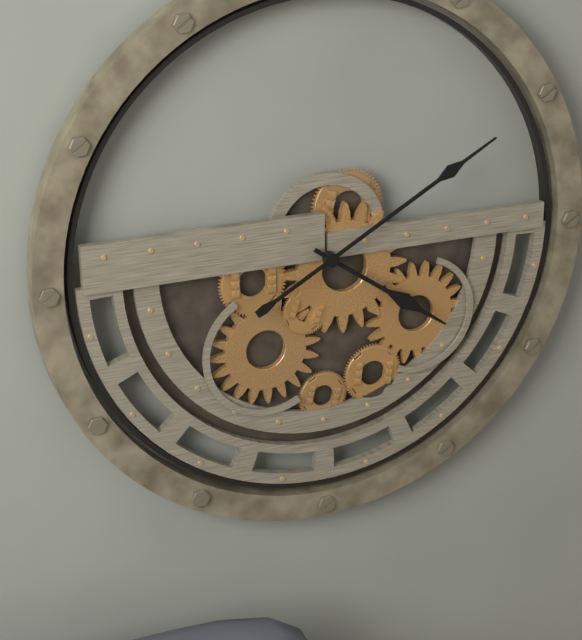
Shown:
4.10
